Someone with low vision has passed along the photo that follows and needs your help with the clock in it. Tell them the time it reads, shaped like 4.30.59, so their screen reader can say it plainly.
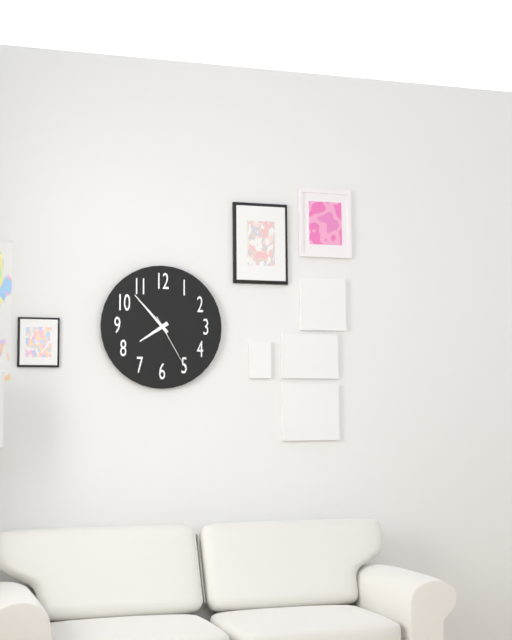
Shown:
7.53.25
